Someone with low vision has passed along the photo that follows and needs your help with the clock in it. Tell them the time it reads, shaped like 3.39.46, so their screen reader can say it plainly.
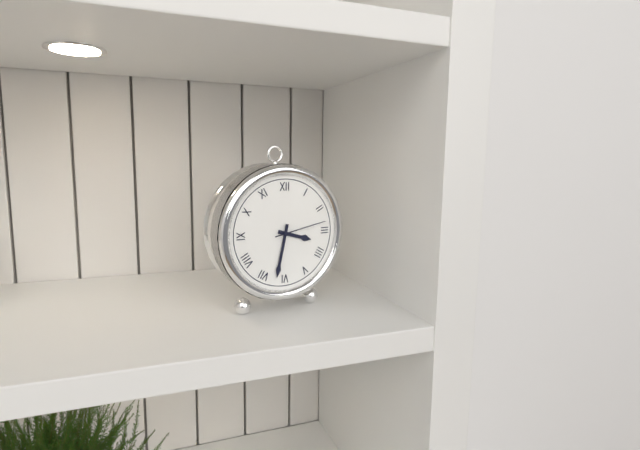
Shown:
3.32.13
